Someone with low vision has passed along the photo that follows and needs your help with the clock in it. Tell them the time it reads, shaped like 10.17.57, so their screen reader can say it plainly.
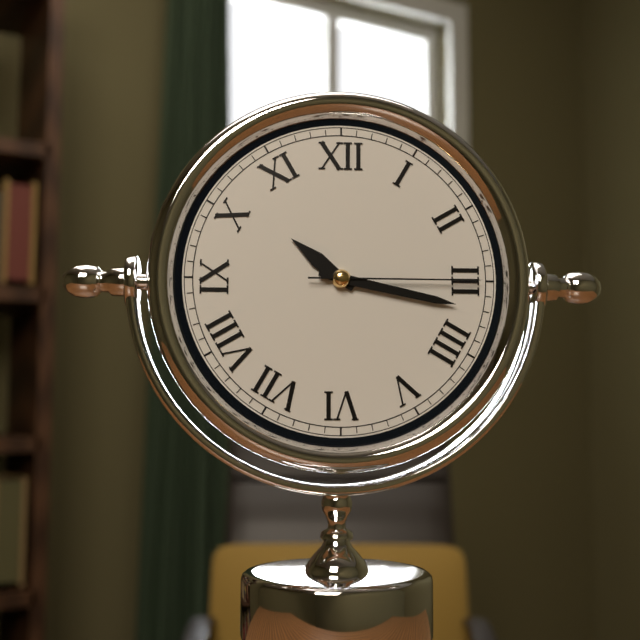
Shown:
10.17.15
